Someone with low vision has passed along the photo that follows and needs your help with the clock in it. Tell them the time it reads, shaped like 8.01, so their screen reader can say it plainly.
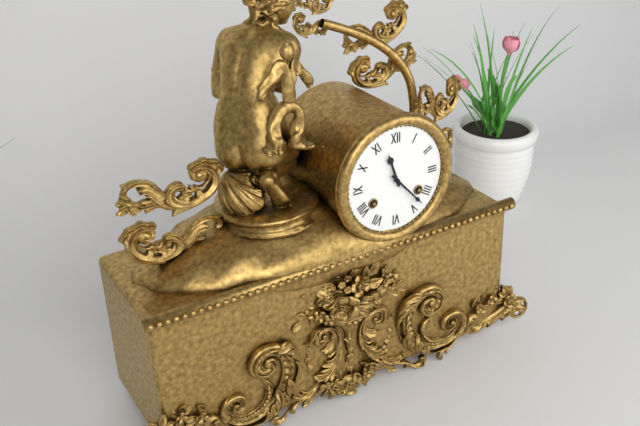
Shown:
11.23
